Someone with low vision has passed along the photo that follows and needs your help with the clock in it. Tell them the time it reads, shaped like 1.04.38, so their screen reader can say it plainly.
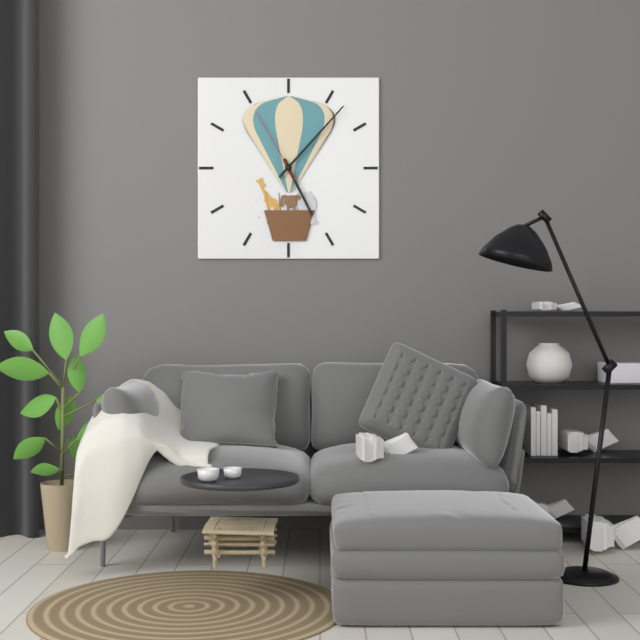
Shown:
5.07.55
